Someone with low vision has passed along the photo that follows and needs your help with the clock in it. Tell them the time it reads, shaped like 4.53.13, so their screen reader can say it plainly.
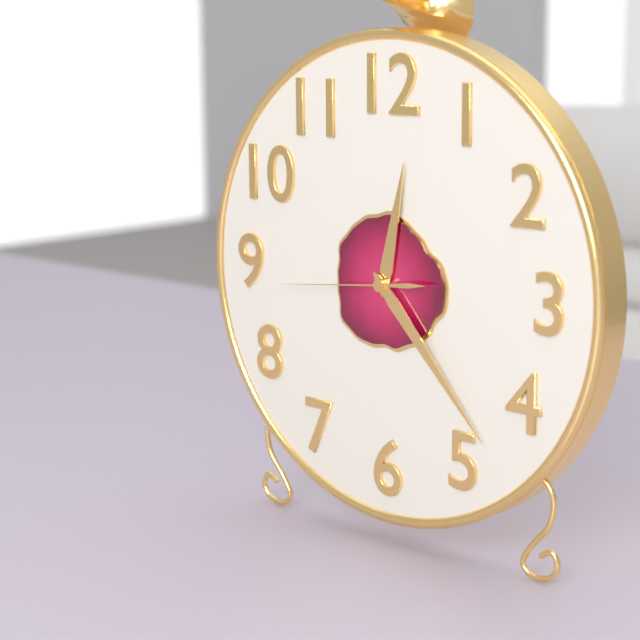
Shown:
12.23.44
